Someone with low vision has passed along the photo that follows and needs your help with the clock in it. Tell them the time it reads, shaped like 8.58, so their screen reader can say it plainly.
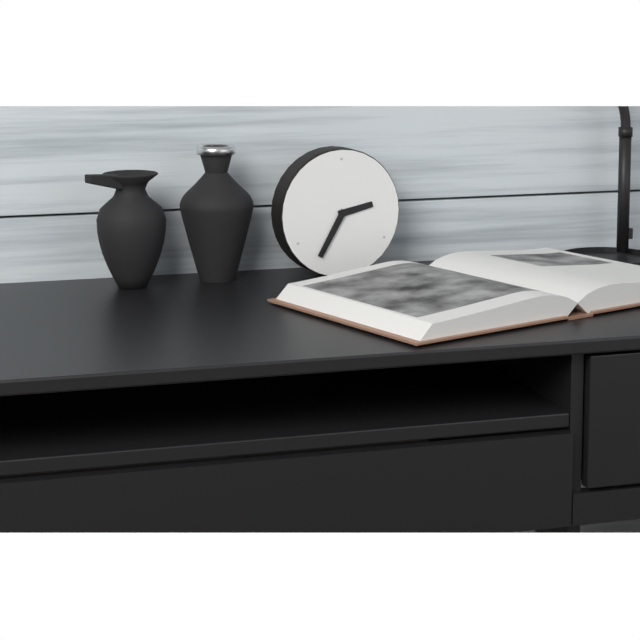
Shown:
2.35
